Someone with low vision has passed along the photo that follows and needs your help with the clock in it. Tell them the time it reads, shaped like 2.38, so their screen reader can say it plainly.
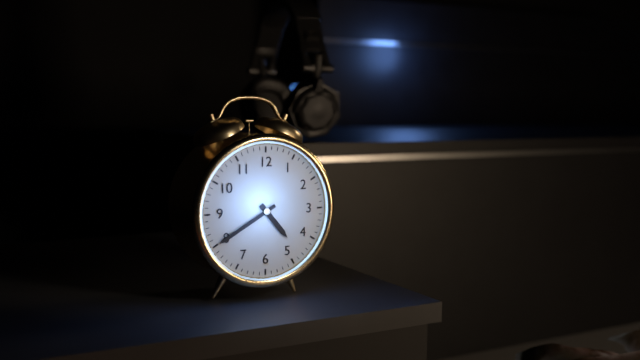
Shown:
4.40
